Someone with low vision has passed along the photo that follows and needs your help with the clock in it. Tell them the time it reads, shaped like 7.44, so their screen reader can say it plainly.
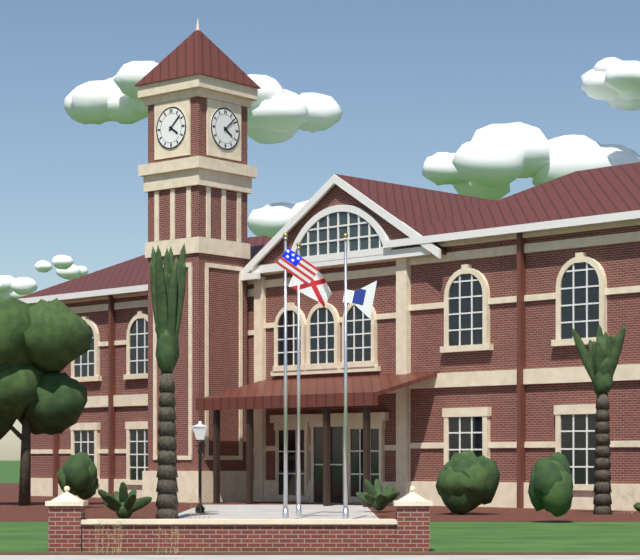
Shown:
4.08
